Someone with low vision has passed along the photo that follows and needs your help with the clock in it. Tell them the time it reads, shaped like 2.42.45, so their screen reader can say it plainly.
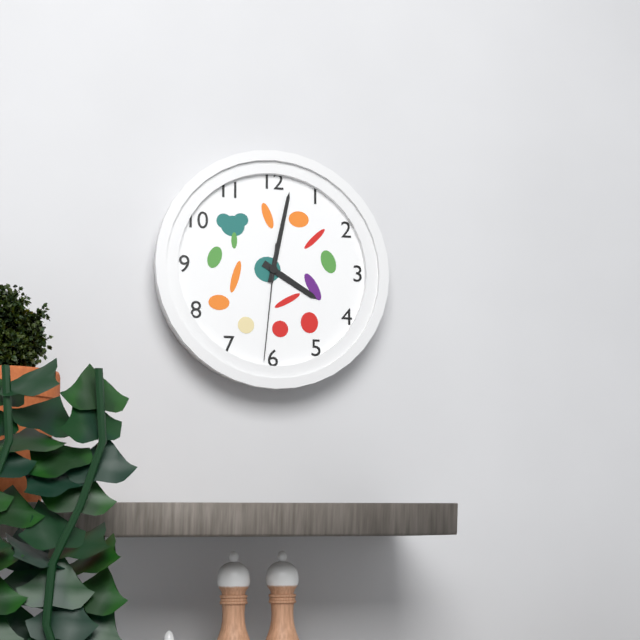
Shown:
4.02.31
